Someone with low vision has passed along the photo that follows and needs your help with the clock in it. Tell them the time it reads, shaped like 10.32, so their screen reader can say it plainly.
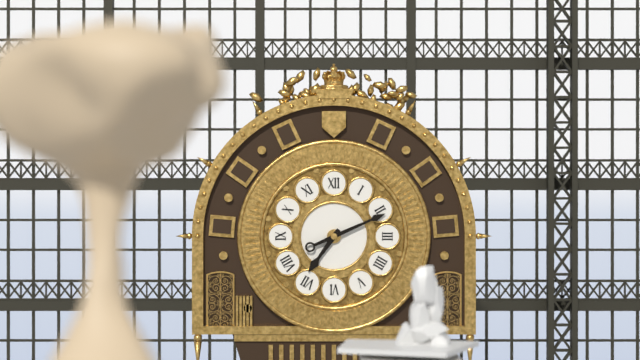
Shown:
7.11
